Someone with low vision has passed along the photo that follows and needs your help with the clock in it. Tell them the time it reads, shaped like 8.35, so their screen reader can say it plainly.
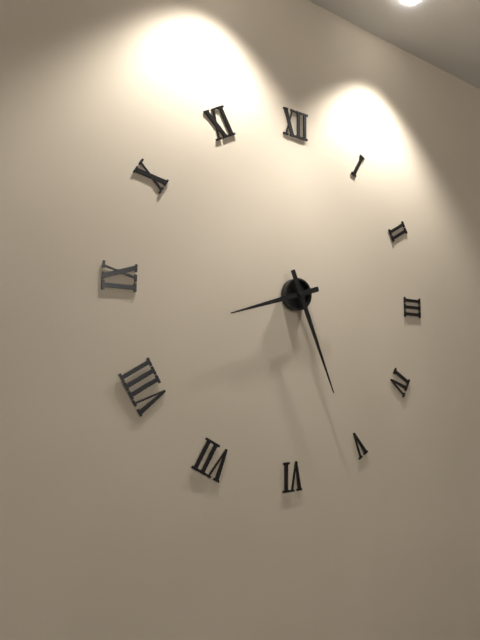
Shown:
8.26
